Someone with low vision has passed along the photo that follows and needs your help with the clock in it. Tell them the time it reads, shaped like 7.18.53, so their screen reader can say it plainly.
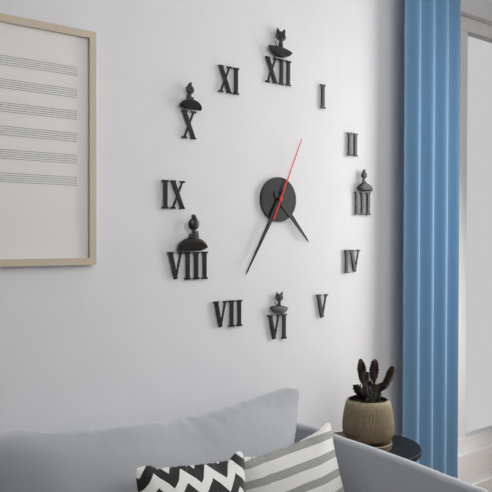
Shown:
4.35.04
